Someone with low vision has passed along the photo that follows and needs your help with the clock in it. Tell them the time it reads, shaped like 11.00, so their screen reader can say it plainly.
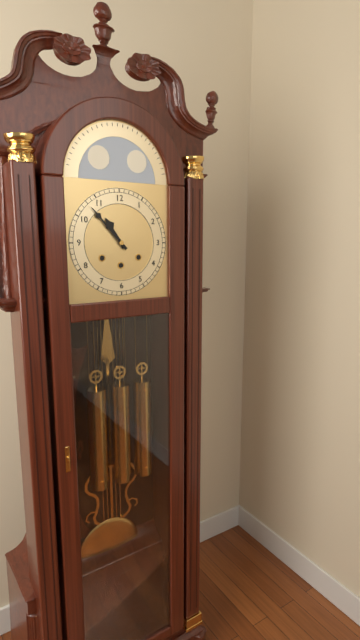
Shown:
10.53
